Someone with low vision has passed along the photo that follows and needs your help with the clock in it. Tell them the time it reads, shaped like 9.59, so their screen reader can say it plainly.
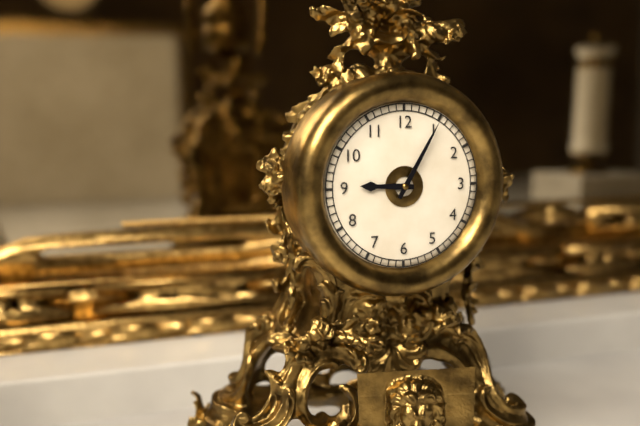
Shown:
9.05
